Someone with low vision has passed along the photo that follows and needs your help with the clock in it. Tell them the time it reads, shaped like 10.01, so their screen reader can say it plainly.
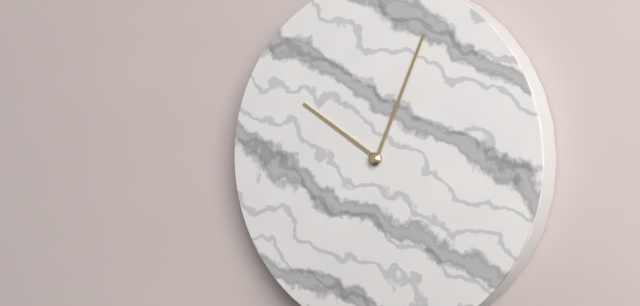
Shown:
10.04
